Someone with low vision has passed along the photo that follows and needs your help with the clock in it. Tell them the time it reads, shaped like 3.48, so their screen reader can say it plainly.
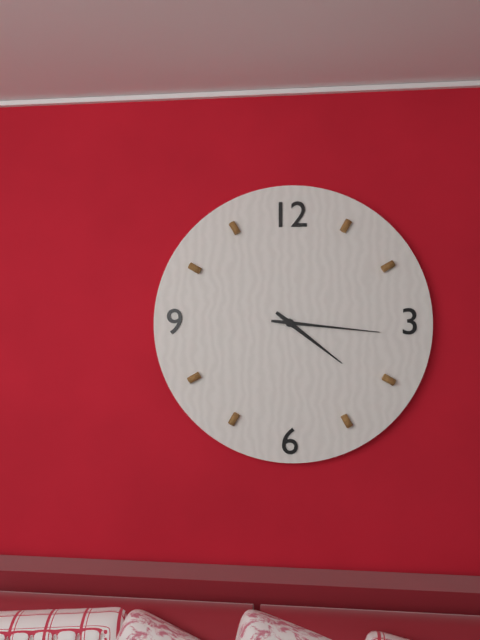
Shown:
4.16
